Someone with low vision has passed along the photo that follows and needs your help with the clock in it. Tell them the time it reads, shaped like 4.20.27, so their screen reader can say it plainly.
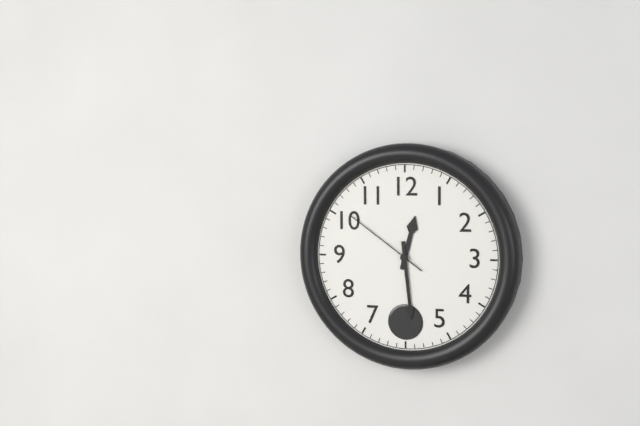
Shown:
12.29.51
